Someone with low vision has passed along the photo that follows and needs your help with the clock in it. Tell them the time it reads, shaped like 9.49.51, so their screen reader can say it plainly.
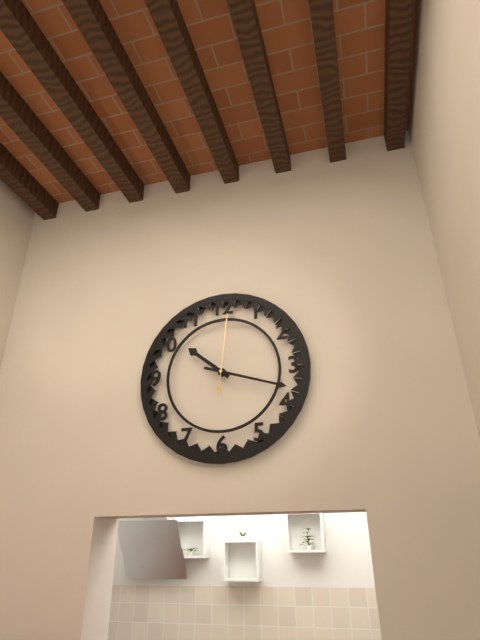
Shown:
10.18.01
